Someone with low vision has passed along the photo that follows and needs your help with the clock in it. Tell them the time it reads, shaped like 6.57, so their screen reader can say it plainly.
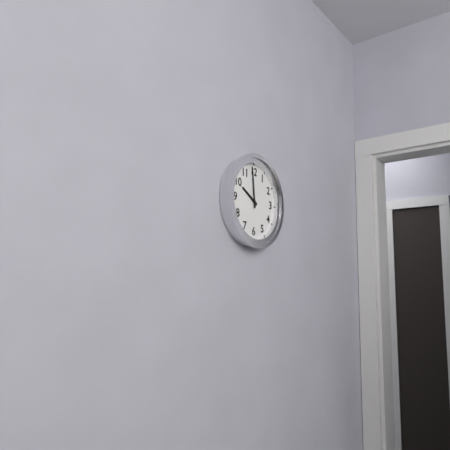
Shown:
9.59
